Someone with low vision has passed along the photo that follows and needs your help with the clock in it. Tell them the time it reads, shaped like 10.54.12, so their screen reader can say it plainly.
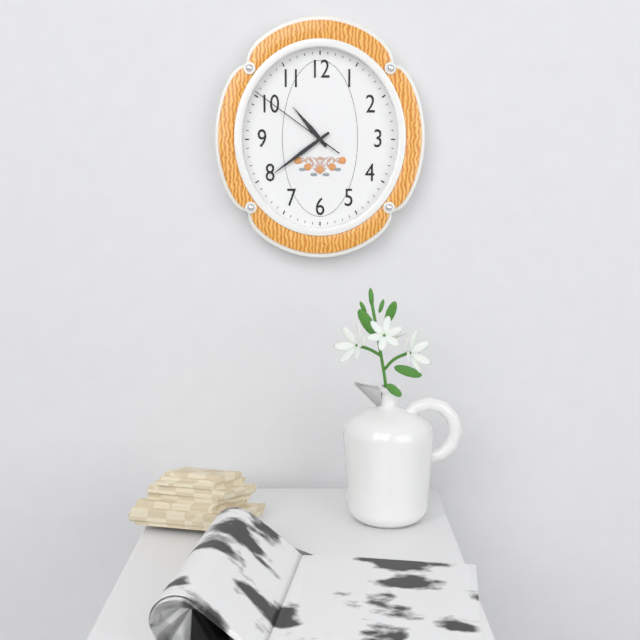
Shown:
10.39.51
